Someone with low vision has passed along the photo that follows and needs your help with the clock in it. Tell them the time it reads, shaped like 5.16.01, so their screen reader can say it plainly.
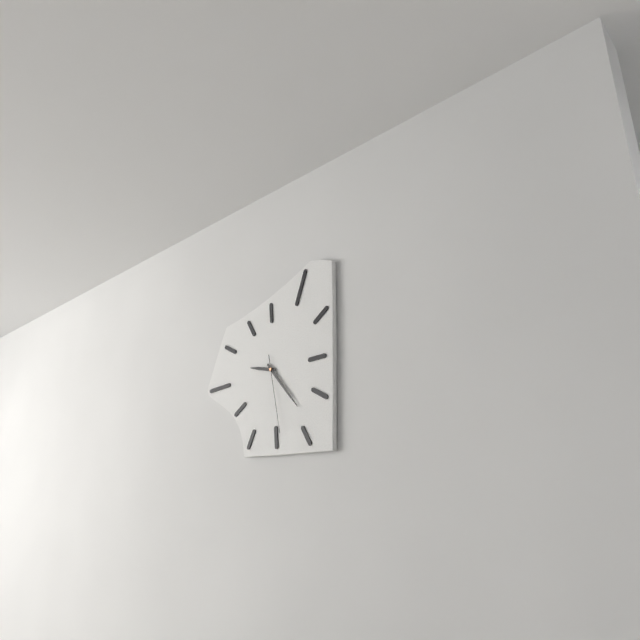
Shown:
9.23.28
